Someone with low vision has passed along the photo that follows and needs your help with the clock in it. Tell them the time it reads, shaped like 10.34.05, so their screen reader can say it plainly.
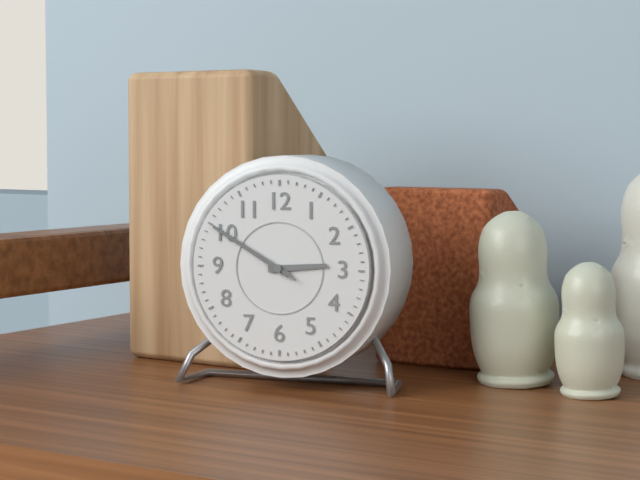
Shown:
2.50.50
